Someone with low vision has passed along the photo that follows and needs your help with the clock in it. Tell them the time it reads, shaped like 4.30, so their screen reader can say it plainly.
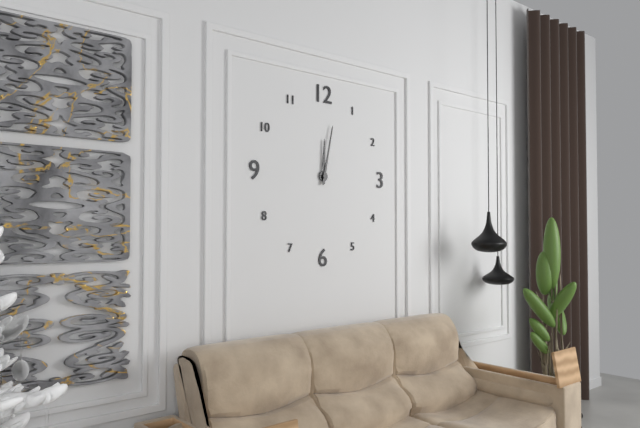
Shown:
12.02
